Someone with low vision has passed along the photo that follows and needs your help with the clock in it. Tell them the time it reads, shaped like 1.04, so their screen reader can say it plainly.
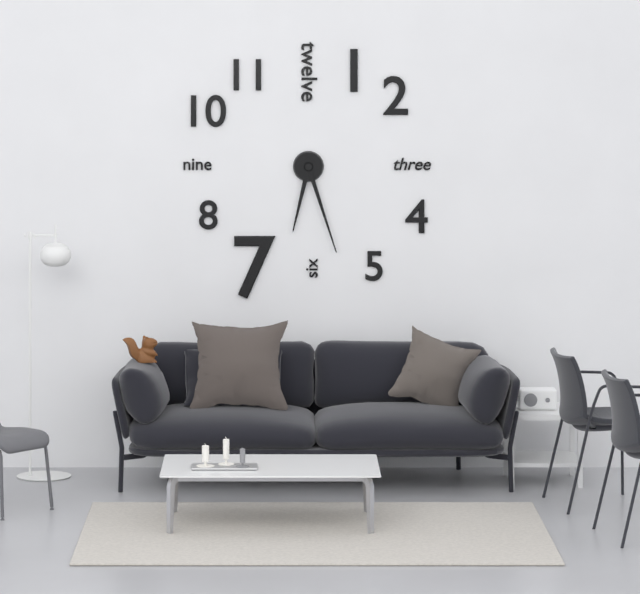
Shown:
6.27
